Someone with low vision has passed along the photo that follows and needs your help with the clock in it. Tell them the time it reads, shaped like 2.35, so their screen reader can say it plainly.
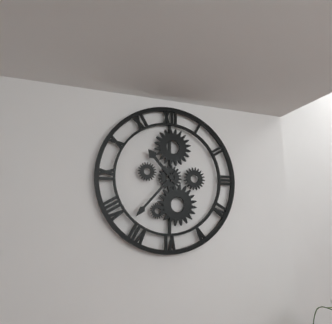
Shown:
10.37
